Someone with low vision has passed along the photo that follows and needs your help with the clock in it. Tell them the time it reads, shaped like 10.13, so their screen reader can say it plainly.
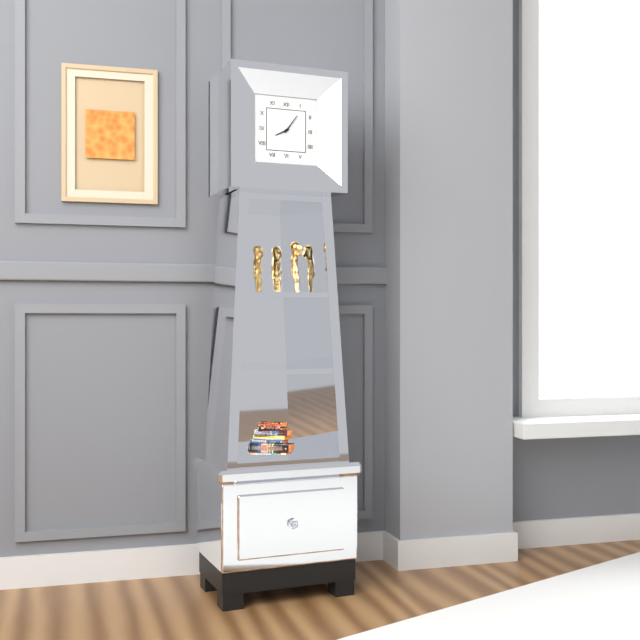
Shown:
8.06
